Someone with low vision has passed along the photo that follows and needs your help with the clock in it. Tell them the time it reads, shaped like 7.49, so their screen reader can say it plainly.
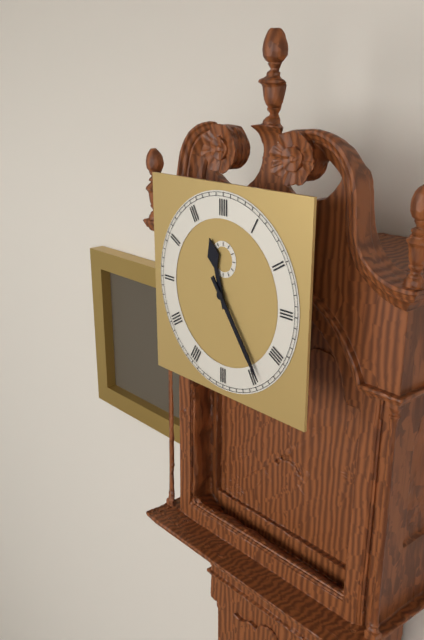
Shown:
11.24
